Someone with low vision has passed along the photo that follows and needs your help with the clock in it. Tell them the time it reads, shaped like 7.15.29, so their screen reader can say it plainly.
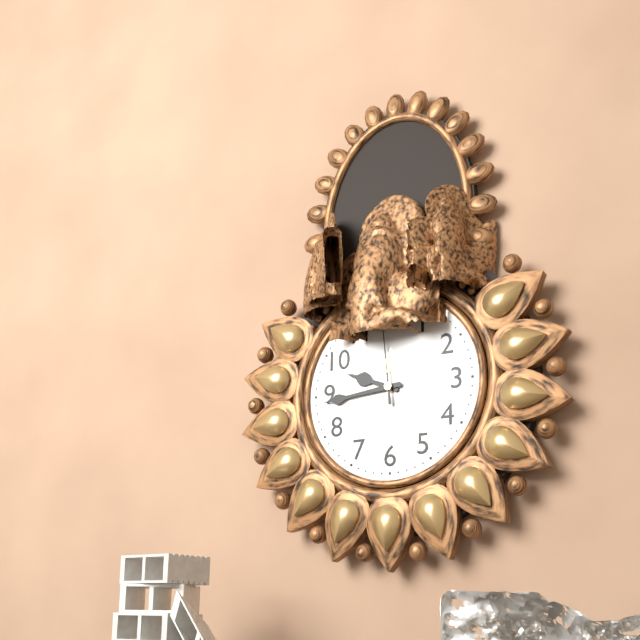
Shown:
9.44.59
